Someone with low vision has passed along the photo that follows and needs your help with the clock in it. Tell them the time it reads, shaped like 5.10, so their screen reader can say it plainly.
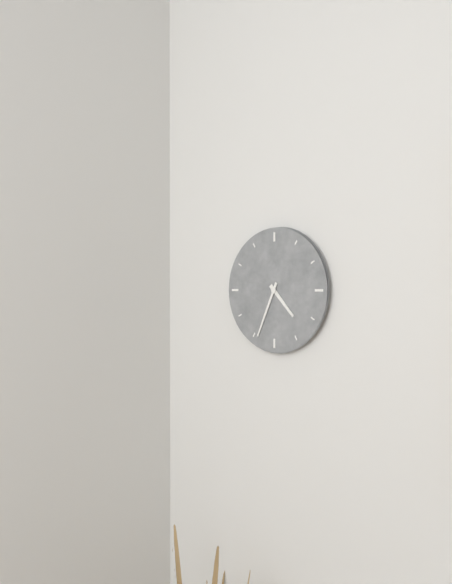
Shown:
4.34
